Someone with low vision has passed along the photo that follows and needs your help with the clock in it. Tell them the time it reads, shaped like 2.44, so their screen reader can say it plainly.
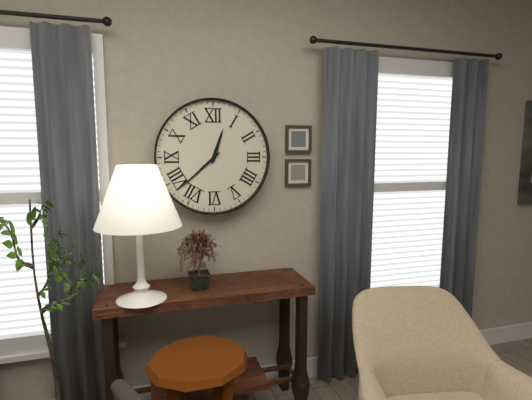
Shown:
12.38
